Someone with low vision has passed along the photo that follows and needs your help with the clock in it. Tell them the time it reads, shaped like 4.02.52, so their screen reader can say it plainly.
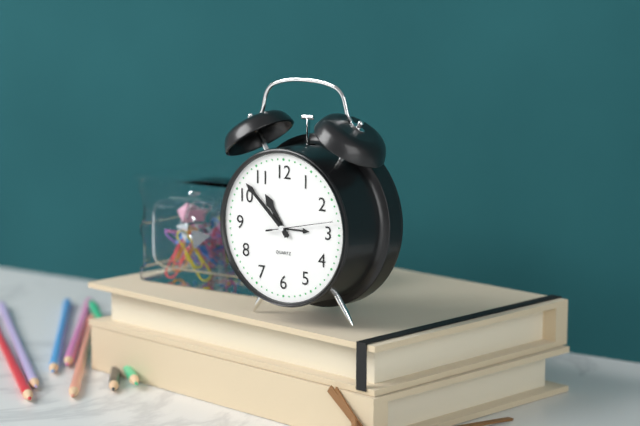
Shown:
10.52.13
